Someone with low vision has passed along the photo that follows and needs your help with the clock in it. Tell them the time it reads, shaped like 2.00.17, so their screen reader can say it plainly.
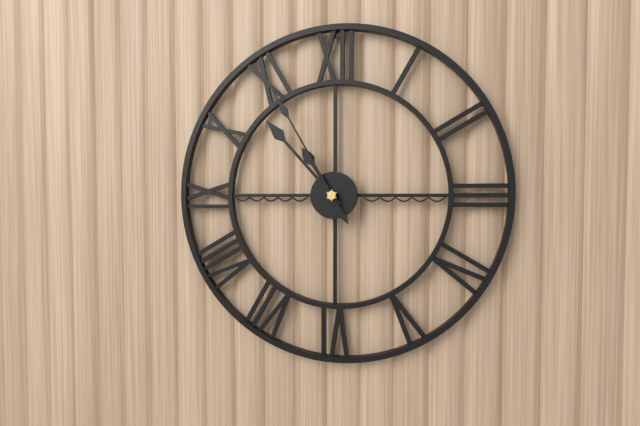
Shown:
10.53.55
